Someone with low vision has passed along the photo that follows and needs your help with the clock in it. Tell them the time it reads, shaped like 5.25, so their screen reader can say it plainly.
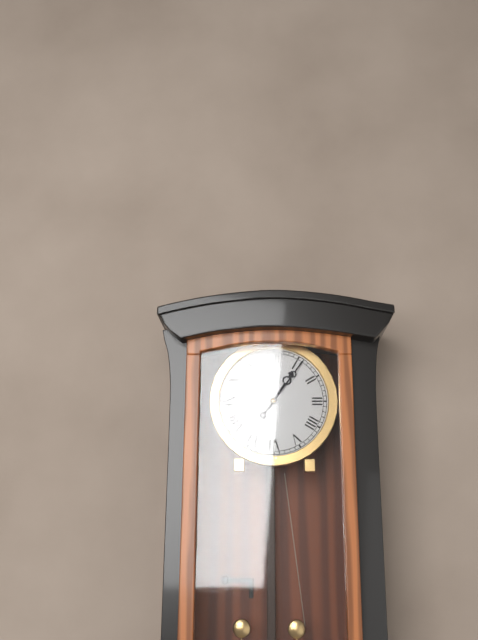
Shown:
1.06
